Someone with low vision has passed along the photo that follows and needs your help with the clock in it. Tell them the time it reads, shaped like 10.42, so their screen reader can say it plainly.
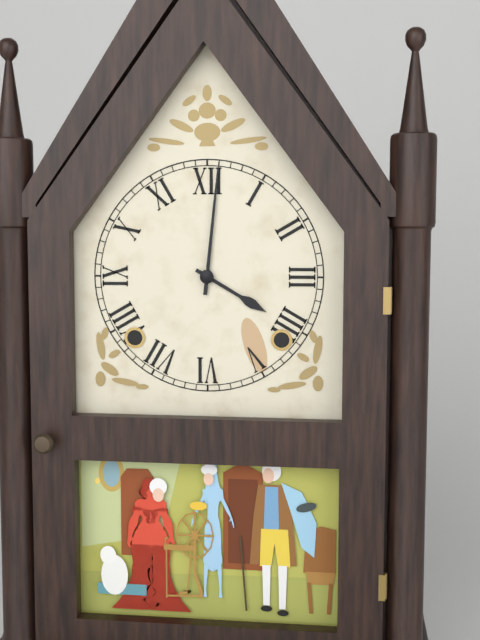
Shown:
4.01
